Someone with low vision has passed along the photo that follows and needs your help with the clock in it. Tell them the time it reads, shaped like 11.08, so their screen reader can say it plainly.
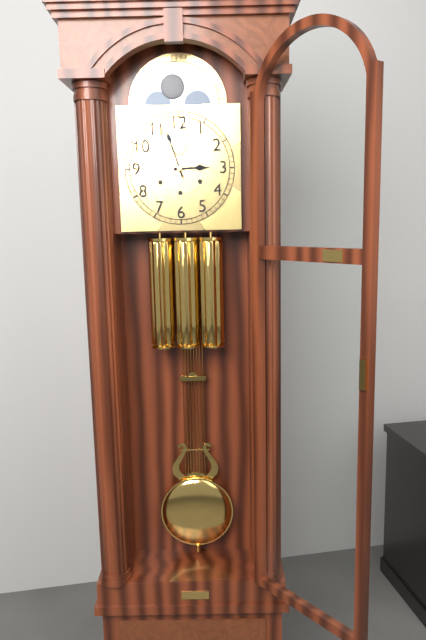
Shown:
2.57
